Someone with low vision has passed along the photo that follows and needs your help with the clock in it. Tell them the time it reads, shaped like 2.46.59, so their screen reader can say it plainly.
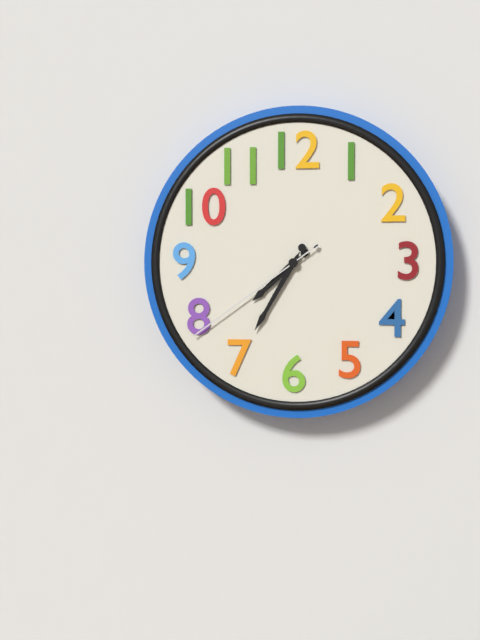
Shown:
7.35.39
